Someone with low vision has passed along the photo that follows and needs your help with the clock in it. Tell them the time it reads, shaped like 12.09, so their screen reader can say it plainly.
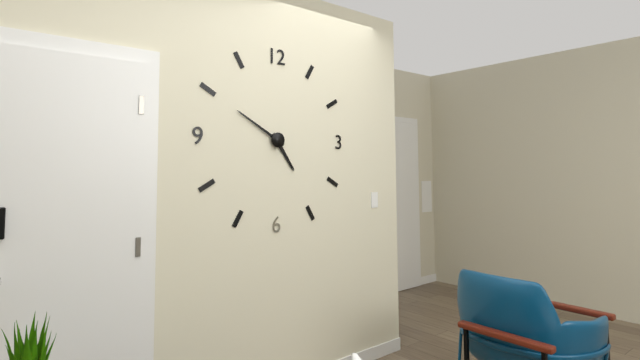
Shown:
4.50
